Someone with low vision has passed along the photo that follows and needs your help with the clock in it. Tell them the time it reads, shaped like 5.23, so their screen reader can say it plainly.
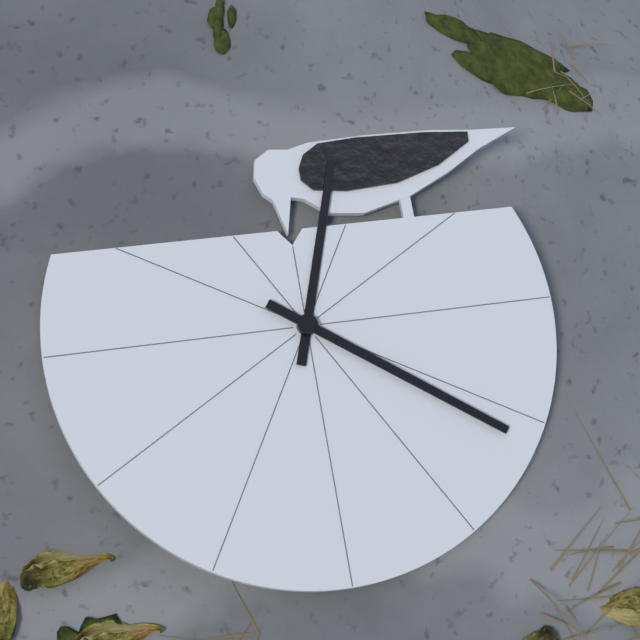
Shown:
3.36
